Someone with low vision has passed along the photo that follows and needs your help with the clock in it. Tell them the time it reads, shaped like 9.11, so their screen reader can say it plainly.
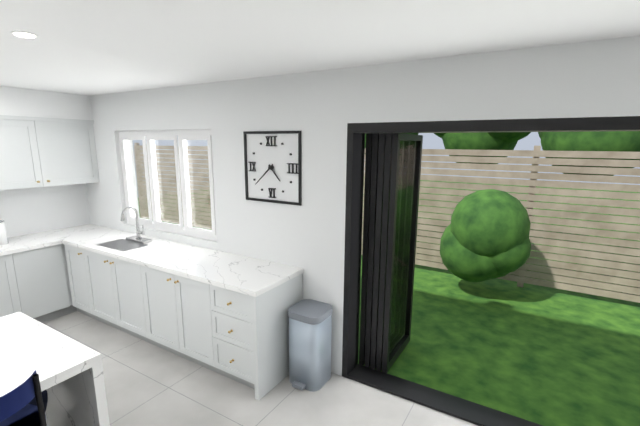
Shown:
4.38
